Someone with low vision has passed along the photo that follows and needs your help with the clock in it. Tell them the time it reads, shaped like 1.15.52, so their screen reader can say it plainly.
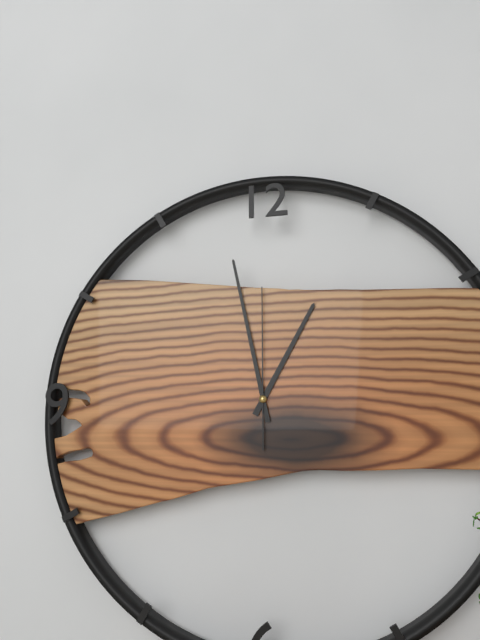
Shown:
12.58.00
